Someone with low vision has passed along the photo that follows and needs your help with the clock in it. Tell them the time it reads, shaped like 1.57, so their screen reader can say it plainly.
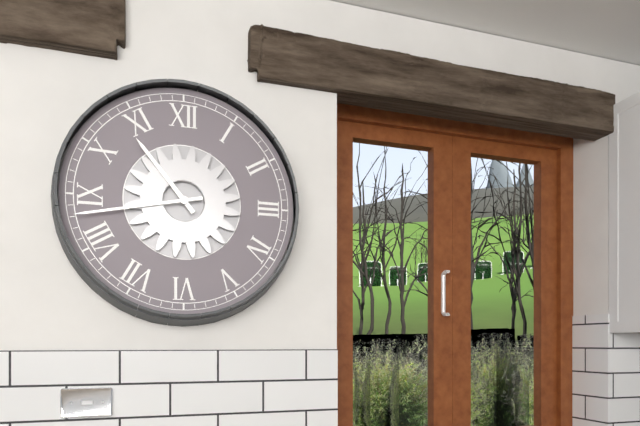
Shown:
10.43
